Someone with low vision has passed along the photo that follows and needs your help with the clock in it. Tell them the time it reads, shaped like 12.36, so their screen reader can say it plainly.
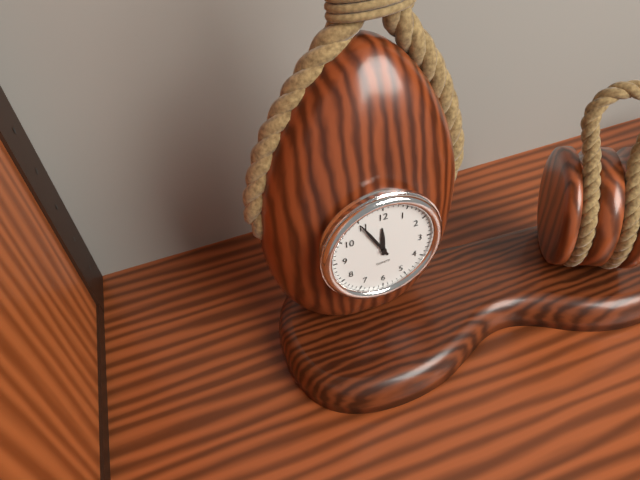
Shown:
11.55
